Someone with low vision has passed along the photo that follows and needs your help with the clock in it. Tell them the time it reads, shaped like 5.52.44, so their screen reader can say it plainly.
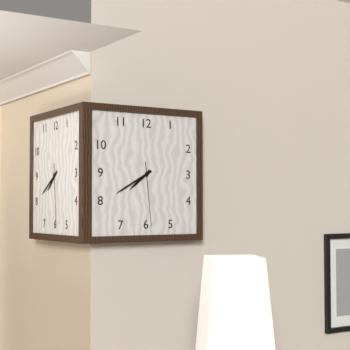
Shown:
7.40.29
